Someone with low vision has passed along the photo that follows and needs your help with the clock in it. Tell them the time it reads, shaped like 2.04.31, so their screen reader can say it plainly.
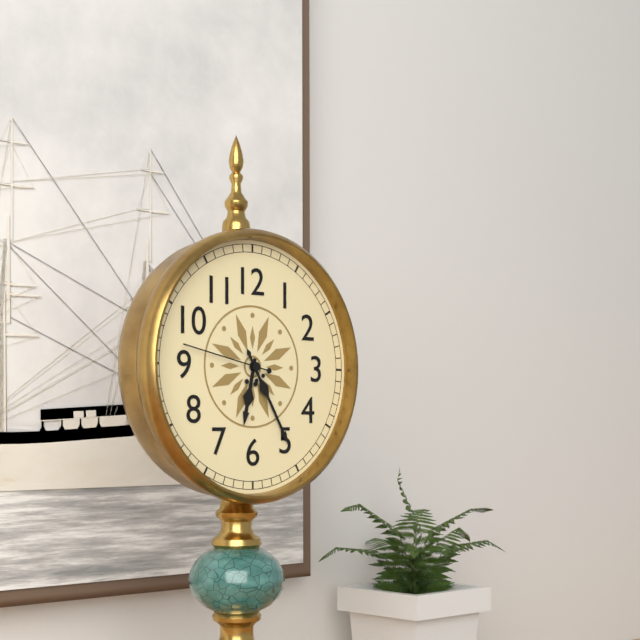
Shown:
6.25.47
